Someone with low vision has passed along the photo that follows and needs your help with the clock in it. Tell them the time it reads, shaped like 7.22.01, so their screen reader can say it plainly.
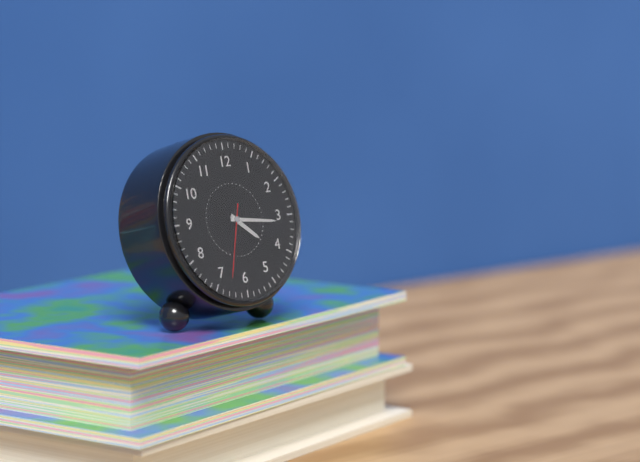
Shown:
4.16.33
